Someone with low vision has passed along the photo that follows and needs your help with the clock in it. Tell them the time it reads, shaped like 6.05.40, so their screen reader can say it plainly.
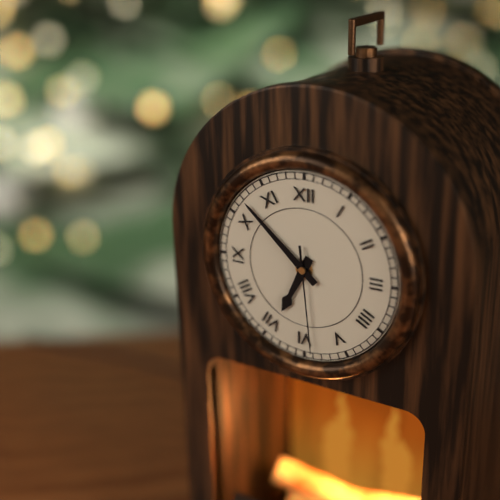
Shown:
6.52.29
